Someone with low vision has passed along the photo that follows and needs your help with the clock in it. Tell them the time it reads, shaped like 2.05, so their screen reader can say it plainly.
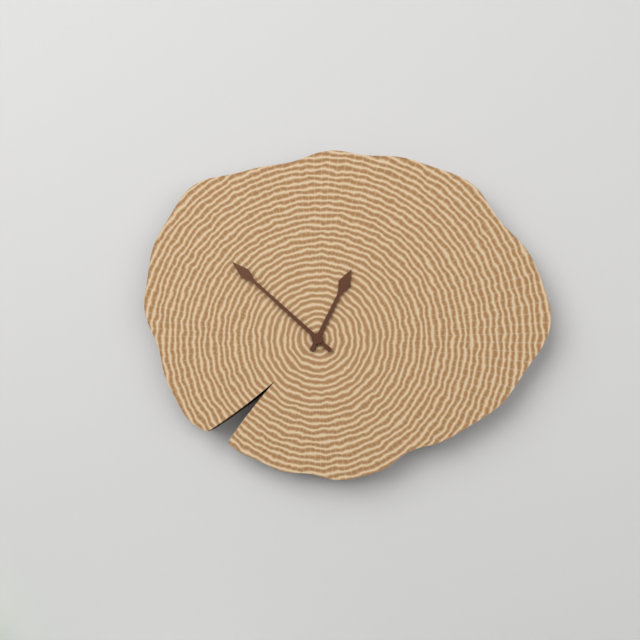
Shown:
12.52
